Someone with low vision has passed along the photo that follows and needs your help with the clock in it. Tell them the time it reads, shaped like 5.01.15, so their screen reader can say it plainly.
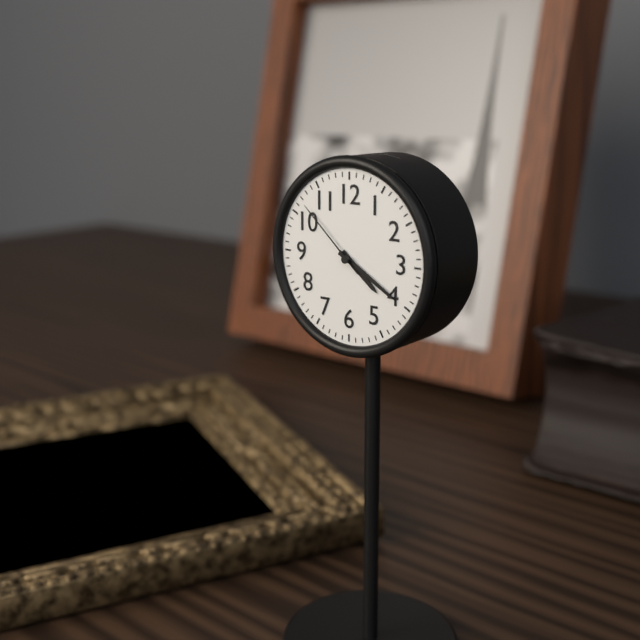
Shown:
4.20.52
